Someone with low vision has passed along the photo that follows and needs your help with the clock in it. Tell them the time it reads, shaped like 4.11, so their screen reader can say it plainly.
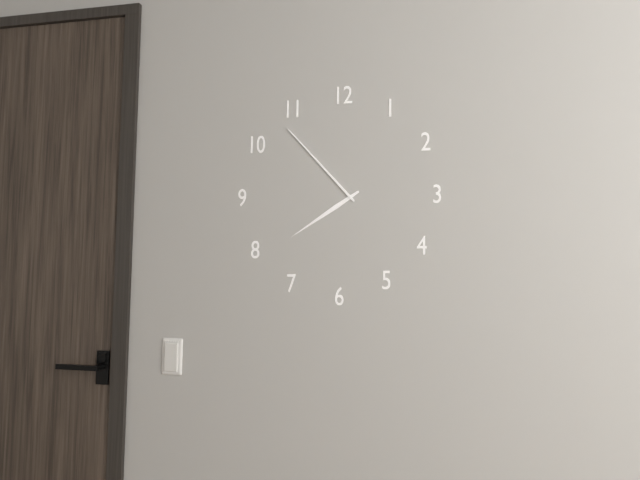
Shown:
7.53
